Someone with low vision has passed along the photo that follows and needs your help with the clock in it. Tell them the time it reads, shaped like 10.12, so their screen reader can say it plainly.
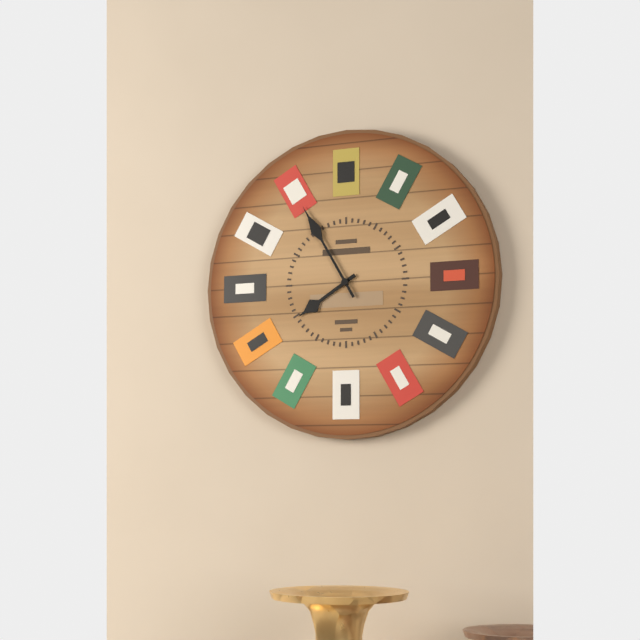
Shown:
7.55
